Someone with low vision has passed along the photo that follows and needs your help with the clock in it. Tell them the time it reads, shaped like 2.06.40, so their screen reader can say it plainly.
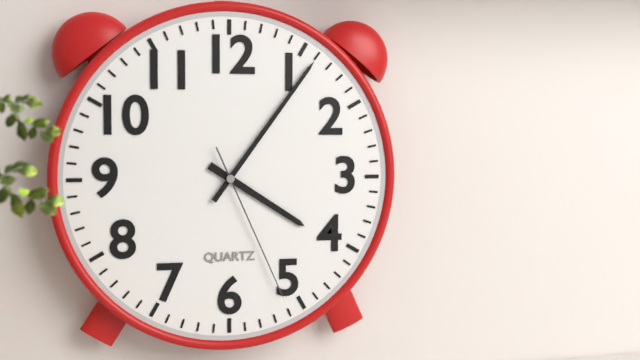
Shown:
4.06.26
